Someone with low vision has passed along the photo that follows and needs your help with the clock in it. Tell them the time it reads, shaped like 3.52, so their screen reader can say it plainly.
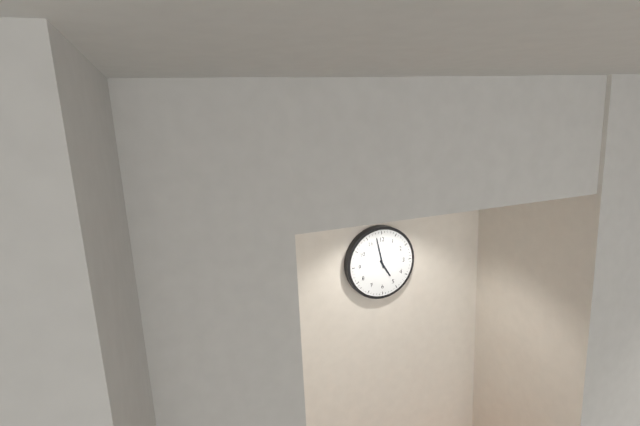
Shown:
4.58
